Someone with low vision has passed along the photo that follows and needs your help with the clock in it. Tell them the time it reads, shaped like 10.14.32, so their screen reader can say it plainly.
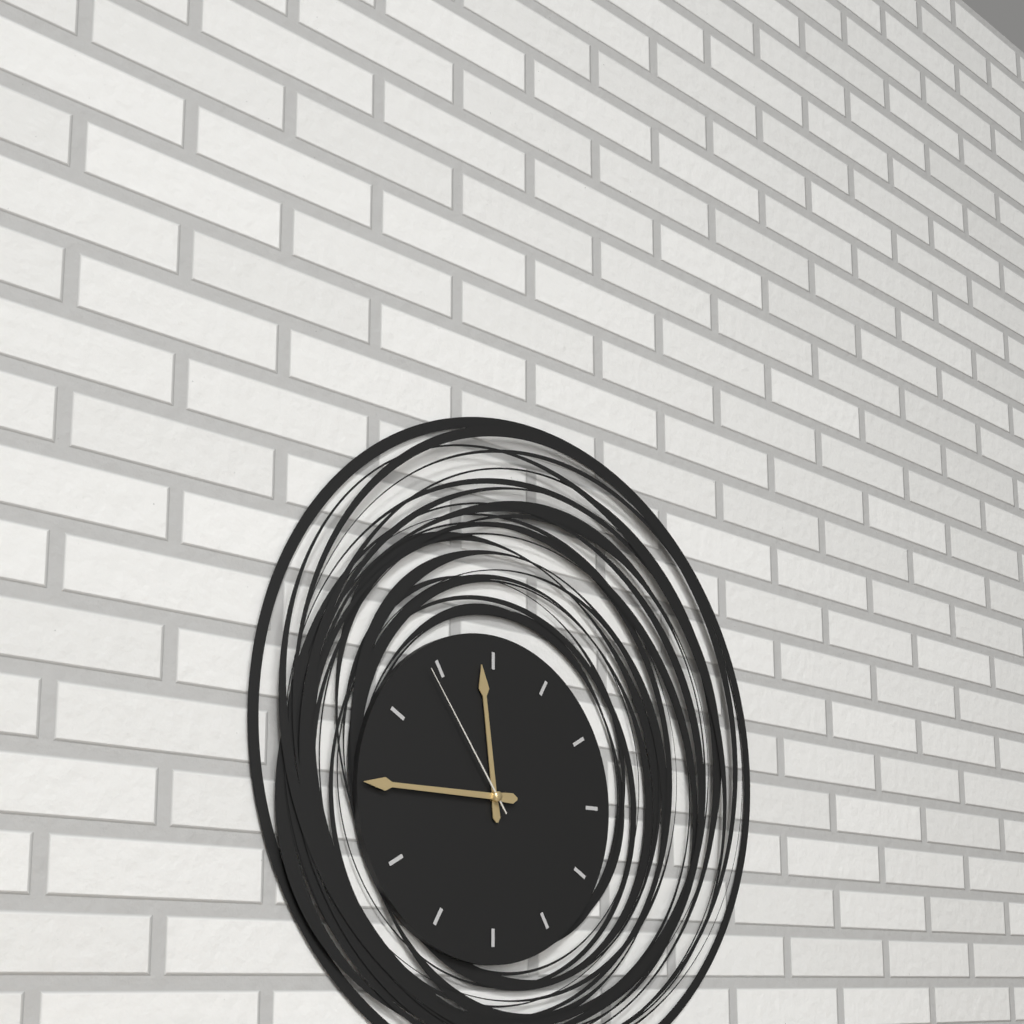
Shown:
11.45.54
